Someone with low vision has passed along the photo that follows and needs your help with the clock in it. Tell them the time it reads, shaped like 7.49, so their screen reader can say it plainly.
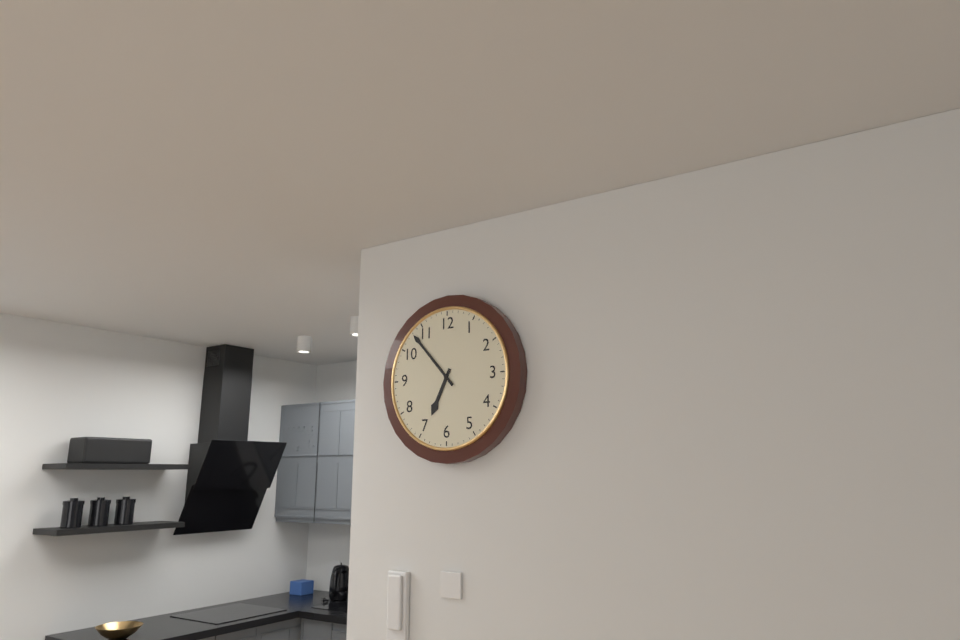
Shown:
6.53
